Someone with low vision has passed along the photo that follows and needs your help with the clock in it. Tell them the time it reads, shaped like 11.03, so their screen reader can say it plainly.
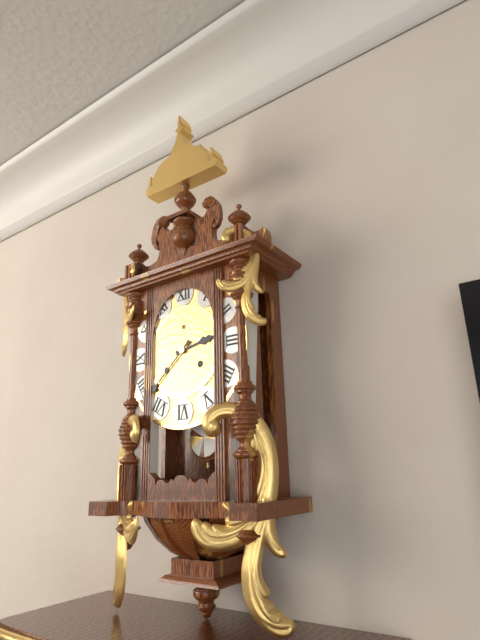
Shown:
2.38
